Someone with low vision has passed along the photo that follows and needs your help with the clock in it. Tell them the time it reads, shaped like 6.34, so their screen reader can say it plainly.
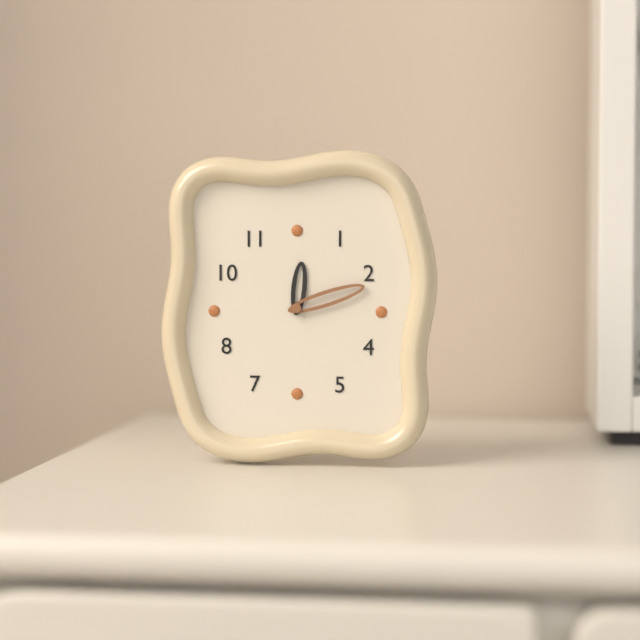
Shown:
12.12
